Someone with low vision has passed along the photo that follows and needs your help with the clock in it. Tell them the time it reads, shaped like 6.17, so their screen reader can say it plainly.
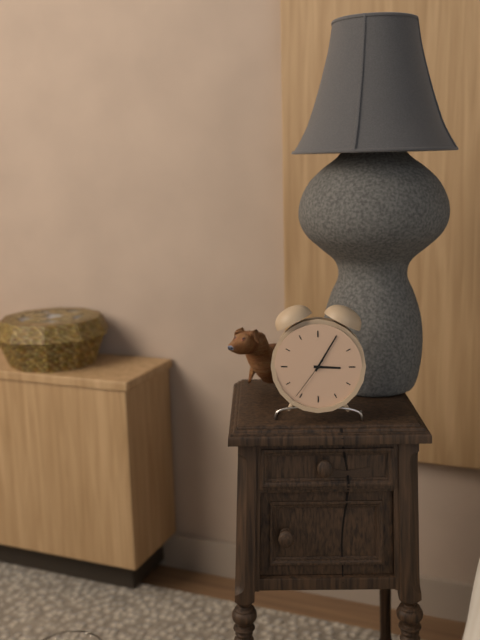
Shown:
3.05
